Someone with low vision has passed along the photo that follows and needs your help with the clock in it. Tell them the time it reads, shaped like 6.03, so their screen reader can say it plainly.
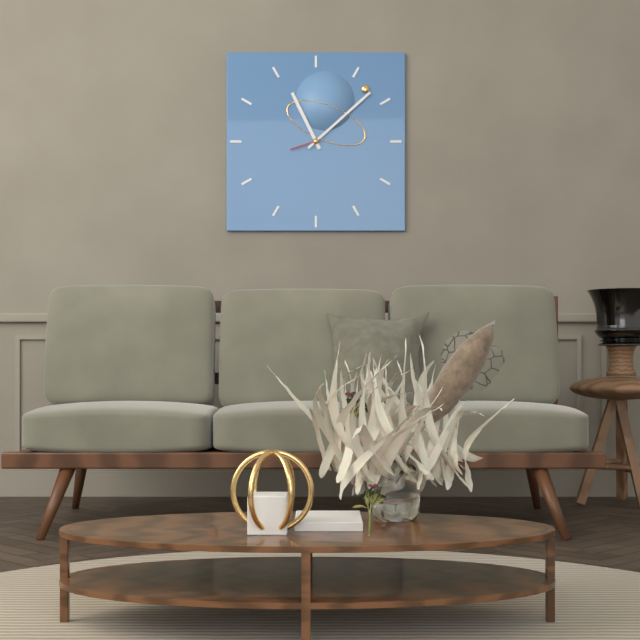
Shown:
11.08
